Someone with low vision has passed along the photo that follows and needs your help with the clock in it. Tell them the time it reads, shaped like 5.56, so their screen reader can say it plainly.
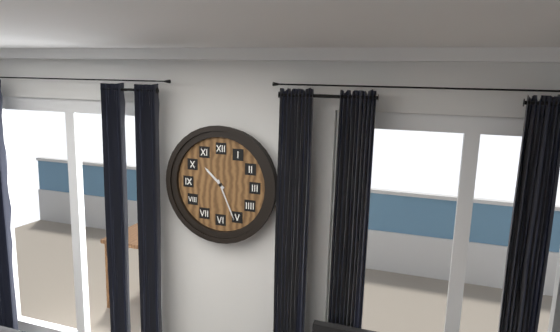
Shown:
10.26
